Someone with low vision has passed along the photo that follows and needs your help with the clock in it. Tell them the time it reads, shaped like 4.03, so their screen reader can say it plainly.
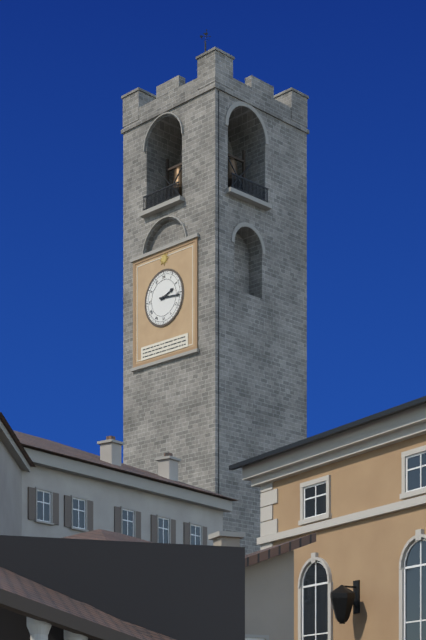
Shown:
2.16
